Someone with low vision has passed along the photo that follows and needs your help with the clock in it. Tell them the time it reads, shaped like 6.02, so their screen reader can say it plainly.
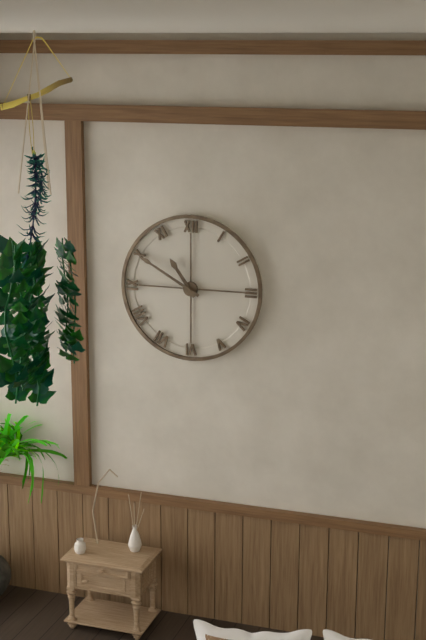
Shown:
10.50
